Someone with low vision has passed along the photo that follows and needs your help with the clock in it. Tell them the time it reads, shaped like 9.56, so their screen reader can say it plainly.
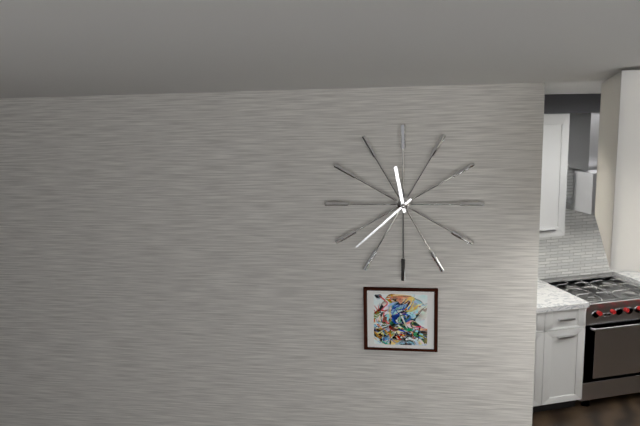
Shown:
11.38
